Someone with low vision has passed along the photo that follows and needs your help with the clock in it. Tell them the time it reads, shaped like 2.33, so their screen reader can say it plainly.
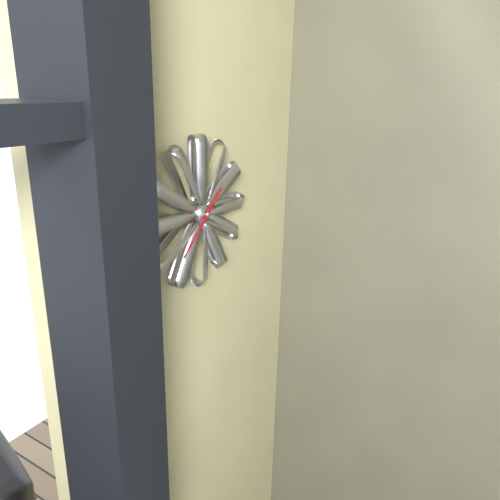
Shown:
1.38
